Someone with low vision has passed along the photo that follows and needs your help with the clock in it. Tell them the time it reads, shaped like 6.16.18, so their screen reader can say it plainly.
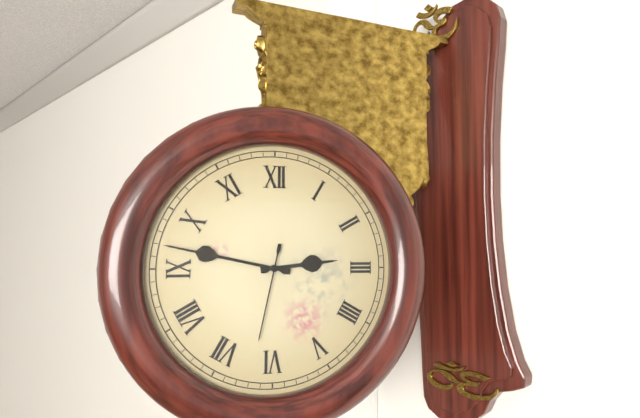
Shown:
2.47.32
